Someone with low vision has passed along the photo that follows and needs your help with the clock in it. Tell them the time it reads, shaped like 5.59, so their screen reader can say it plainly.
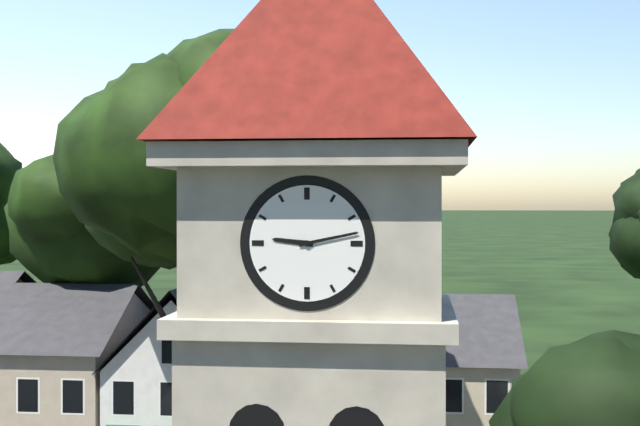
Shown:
9.13
